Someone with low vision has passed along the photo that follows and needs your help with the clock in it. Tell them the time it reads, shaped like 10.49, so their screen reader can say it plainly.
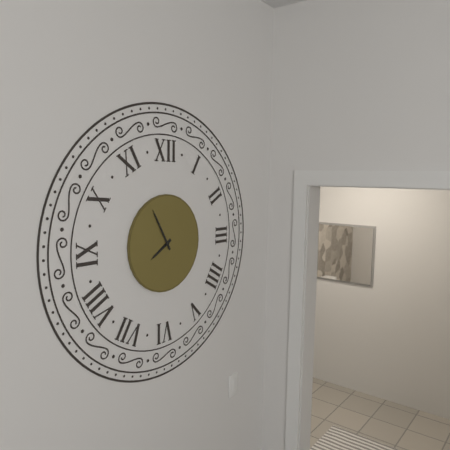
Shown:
7.55
